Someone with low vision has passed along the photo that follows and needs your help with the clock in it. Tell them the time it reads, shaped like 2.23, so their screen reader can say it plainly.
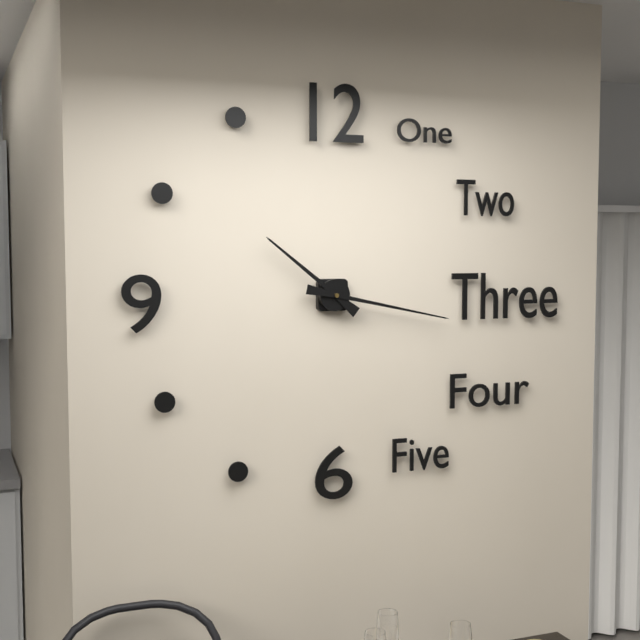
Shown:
10.17
